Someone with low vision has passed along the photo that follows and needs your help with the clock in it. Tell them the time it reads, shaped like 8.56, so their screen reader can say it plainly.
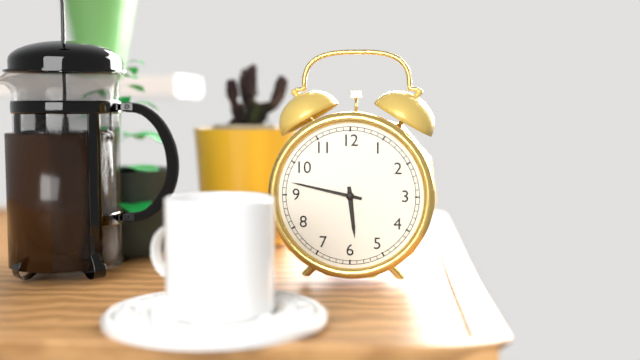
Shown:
5.47
